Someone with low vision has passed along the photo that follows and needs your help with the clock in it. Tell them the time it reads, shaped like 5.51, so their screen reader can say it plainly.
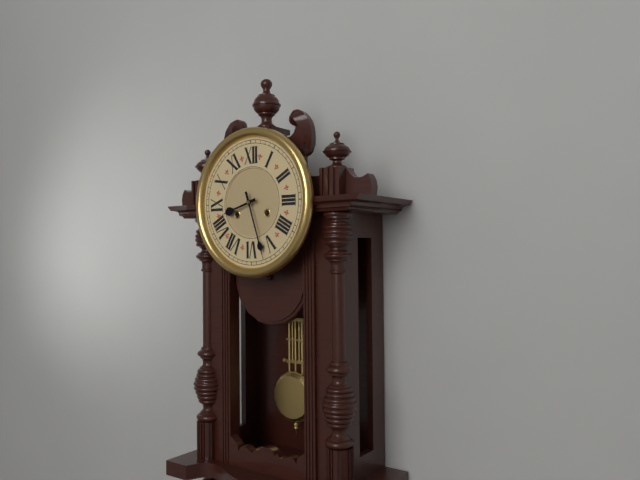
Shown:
8.27
